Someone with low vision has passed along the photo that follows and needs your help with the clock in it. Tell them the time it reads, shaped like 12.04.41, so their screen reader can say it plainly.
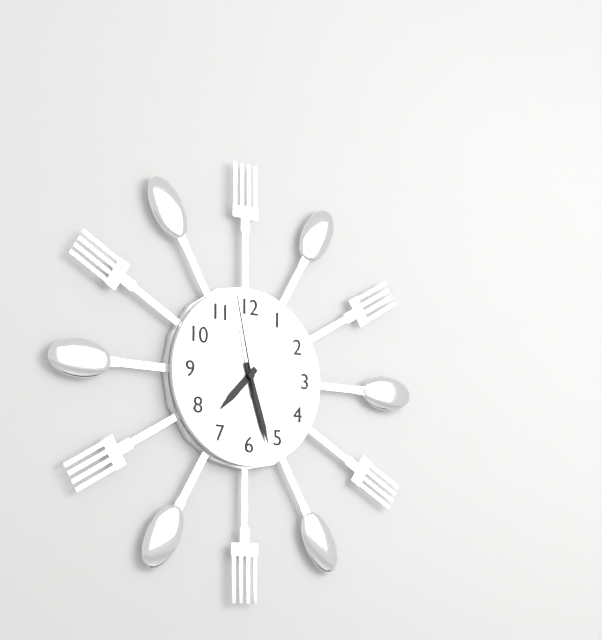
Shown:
7.27.58
